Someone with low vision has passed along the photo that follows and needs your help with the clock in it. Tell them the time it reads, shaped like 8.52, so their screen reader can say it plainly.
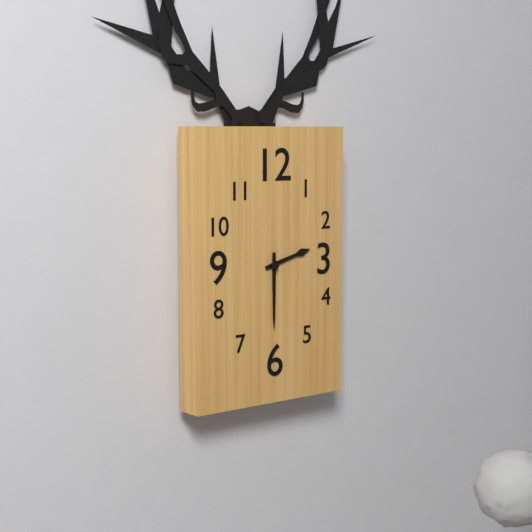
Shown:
2.30
